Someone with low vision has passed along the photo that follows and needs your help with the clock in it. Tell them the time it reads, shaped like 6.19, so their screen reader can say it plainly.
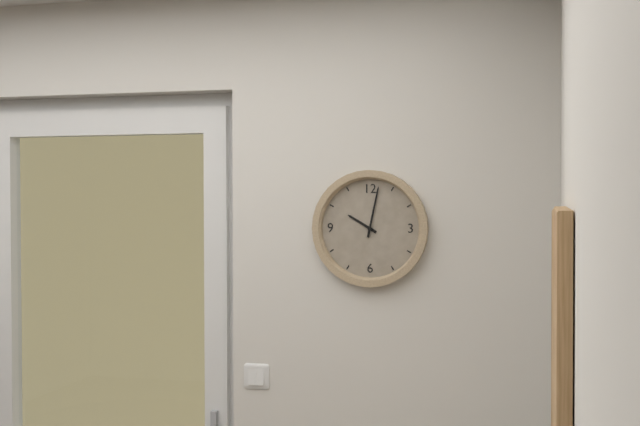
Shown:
10.02
